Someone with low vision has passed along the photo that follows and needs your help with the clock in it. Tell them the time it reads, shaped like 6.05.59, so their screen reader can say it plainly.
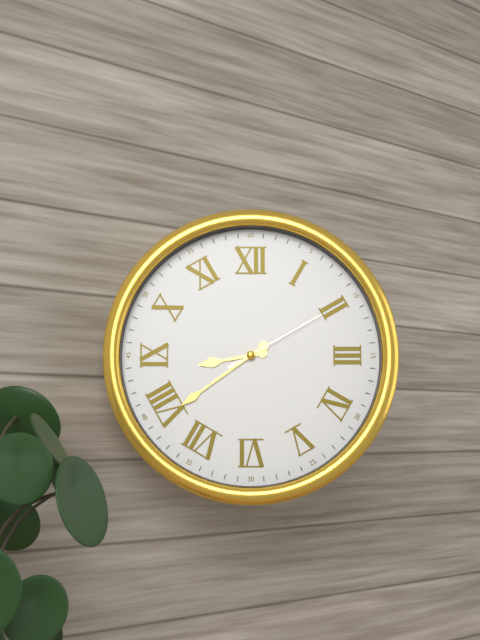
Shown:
8.39.10
